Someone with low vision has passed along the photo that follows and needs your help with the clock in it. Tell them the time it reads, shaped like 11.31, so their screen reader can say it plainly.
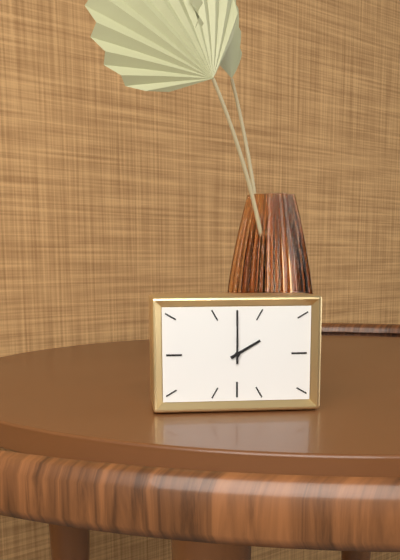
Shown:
2.00
